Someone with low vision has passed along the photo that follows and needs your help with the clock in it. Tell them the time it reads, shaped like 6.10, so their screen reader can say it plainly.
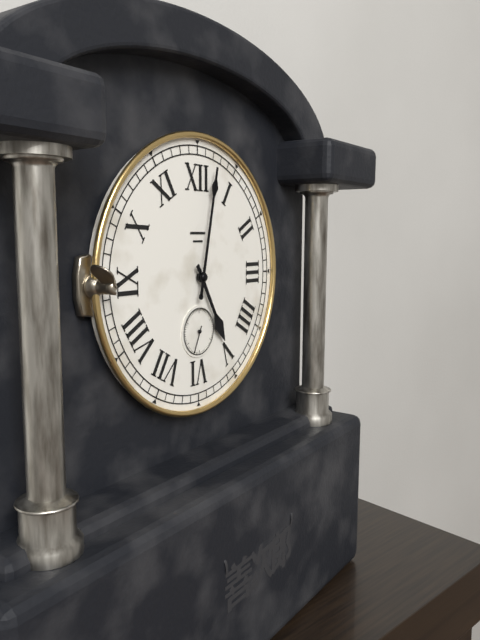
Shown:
5.02
